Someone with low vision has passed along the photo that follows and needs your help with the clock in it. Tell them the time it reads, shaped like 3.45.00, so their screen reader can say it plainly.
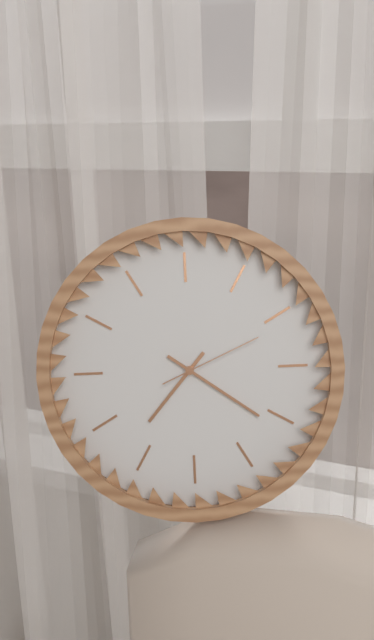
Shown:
7.21.11
